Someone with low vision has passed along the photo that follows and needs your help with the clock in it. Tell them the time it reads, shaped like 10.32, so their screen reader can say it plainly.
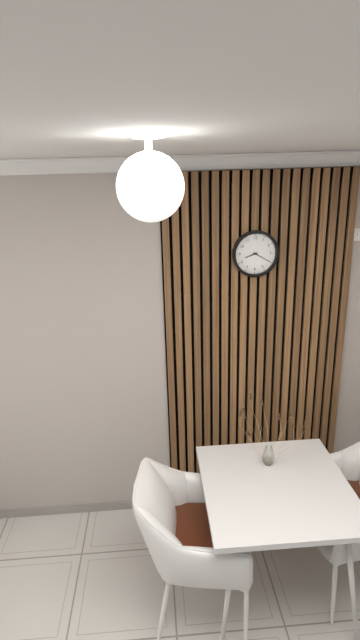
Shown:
8.20
